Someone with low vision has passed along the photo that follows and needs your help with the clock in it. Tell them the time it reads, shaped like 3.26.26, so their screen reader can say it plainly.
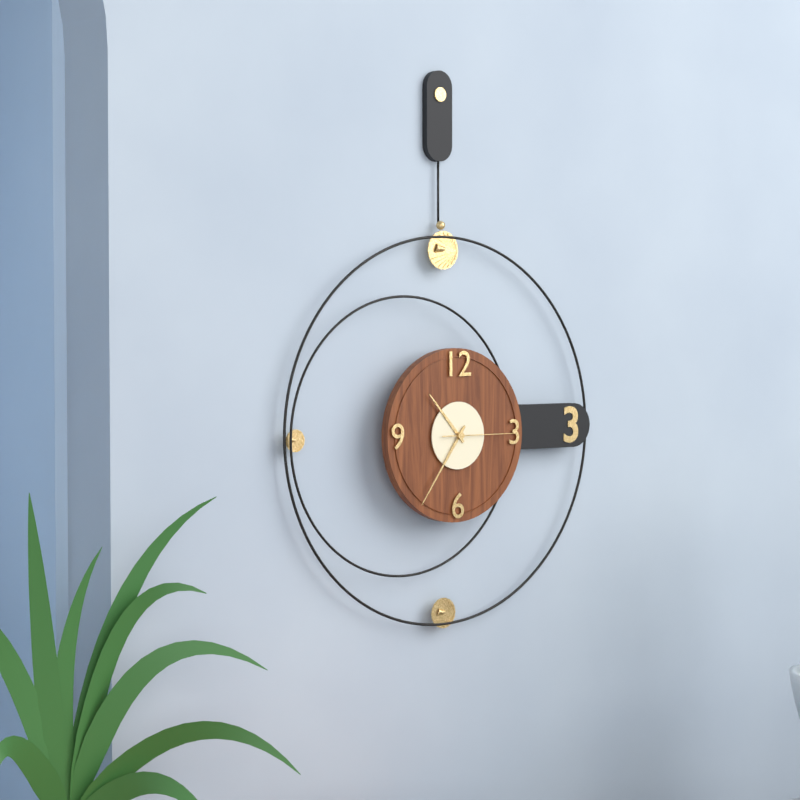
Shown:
10.36.15
